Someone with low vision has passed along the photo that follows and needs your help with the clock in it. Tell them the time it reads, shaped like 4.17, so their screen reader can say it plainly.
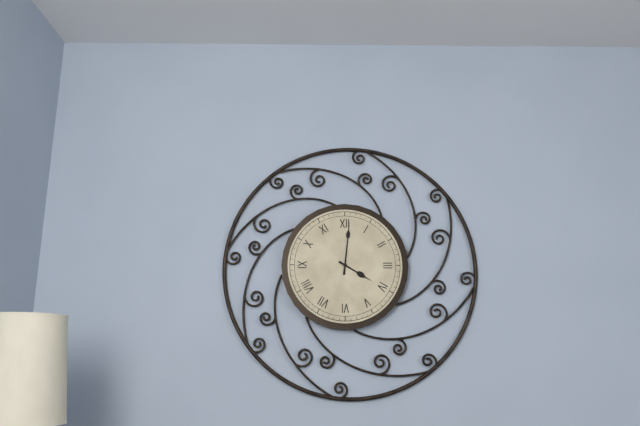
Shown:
4.01
